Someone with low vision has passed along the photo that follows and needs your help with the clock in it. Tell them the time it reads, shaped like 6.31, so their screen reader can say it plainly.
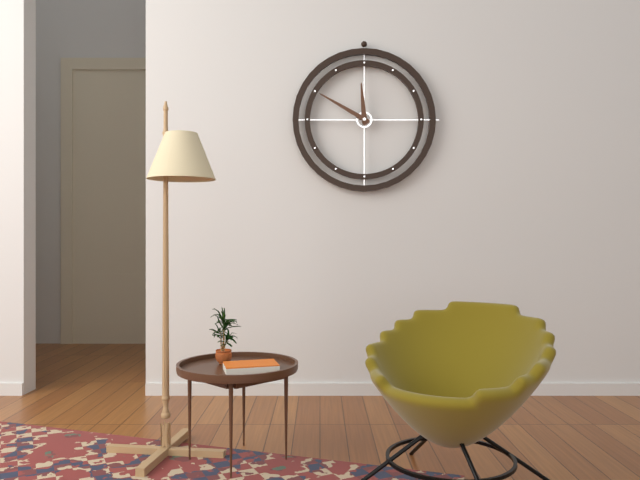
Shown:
11.50
